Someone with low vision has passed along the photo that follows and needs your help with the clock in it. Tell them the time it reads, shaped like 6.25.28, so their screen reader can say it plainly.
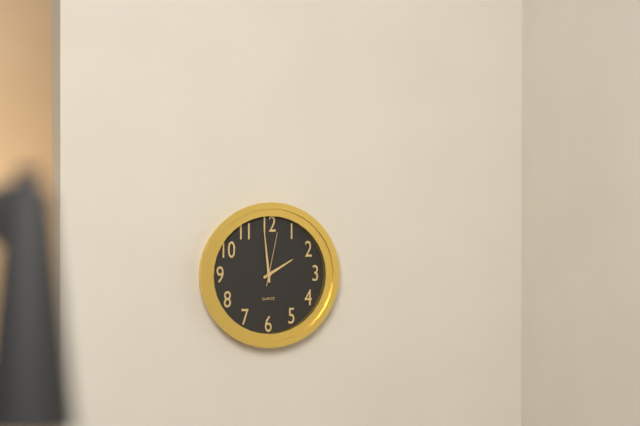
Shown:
1.59.02
